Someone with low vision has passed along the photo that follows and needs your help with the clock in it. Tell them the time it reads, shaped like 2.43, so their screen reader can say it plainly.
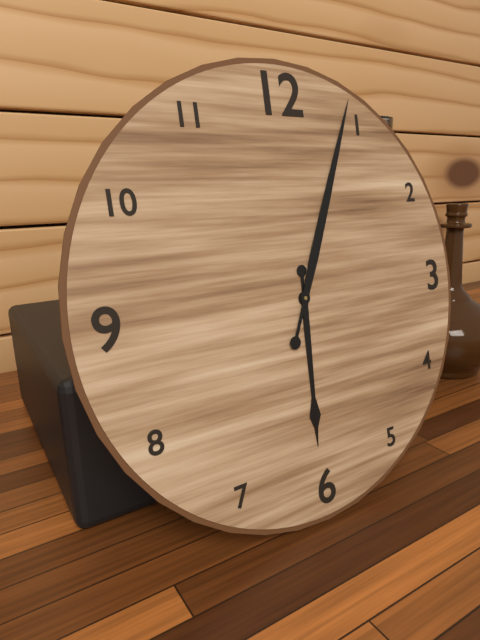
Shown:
6.04
